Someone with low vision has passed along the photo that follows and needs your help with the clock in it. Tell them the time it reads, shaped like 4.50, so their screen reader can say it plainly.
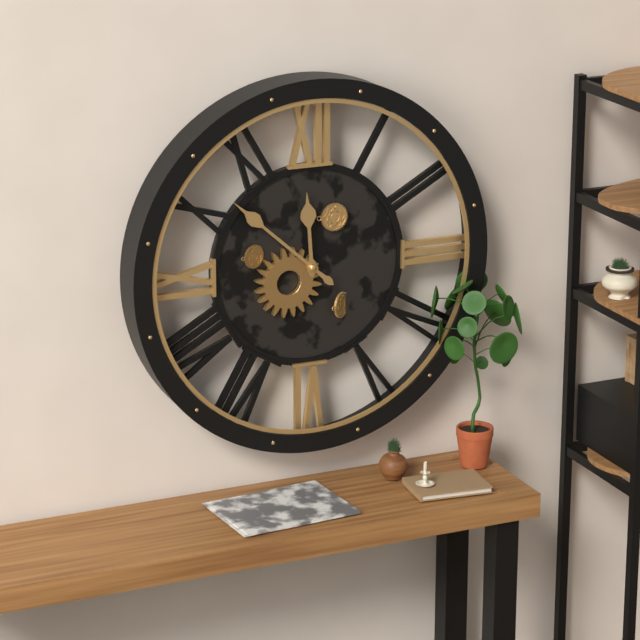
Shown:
11.52
